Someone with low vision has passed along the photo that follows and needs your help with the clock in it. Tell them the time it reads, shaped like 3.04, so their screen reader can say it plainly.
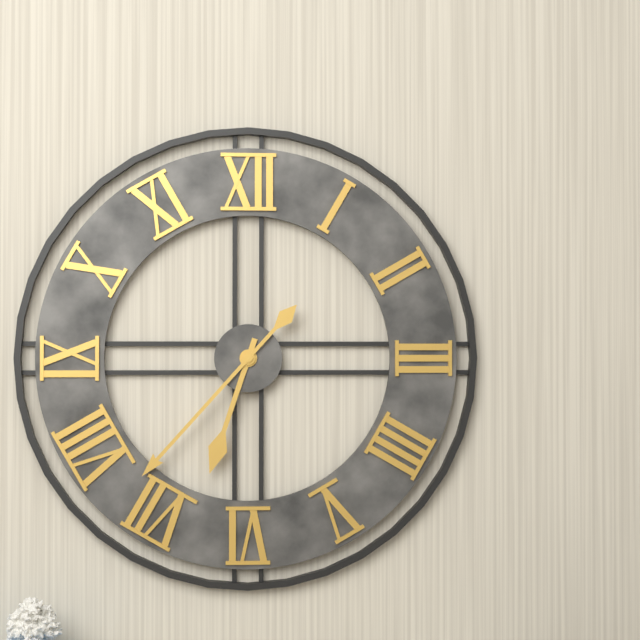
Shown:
6.37
